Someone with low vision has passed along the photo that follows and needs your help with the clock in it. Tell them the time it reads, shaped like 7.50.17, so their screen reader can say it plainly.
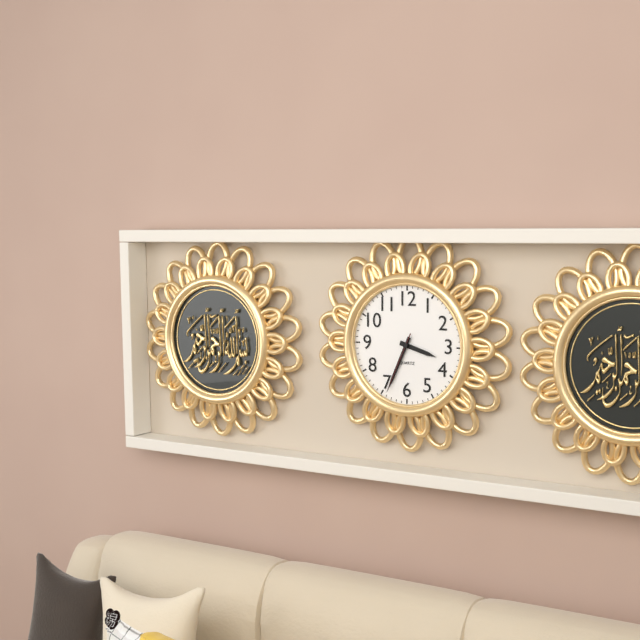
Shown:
3.34.34
